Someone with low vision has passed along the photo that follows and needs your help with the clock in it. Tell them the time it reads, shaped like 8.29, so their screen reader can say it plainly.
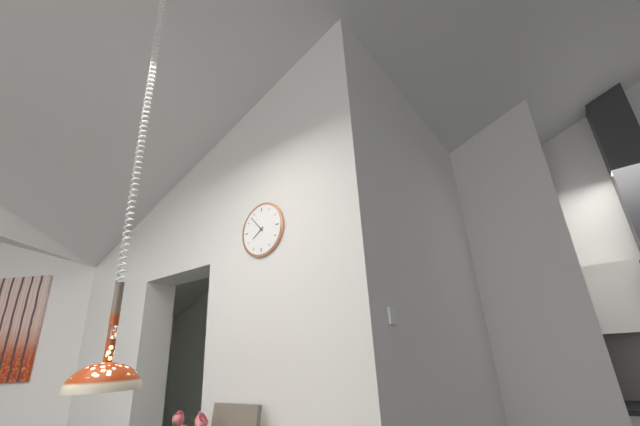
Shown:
7.53
